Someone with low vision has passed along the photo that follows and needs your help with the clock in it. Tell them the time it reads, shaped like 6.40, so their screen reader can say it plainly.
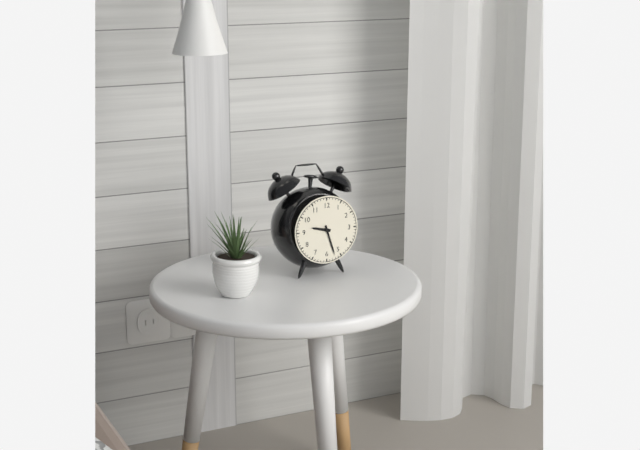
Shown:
9.27
